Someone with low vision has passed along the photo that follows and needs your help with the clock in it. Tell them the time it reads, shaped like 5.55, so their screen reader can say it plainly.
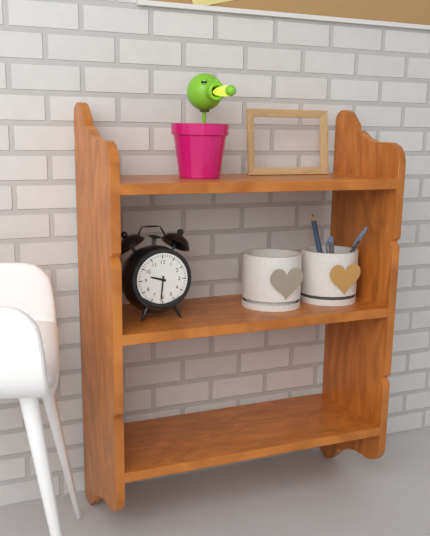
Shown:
9.31
